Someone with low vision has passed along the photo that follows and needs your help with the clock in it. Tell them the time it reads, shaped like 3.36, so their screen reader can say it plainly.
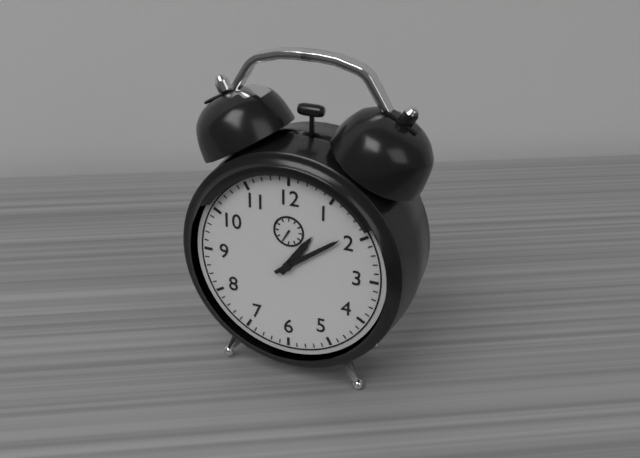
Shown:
1.09
